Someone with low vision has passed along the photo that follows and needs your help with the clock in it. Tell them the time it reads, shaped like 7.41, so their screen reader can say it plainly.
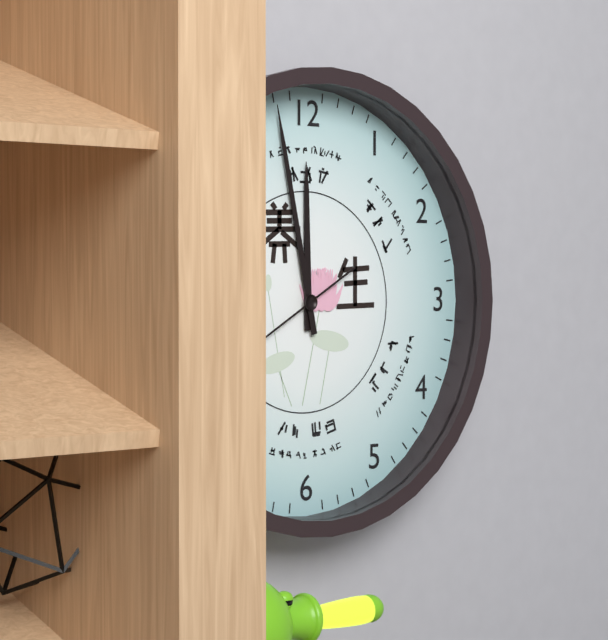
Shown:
11.58
